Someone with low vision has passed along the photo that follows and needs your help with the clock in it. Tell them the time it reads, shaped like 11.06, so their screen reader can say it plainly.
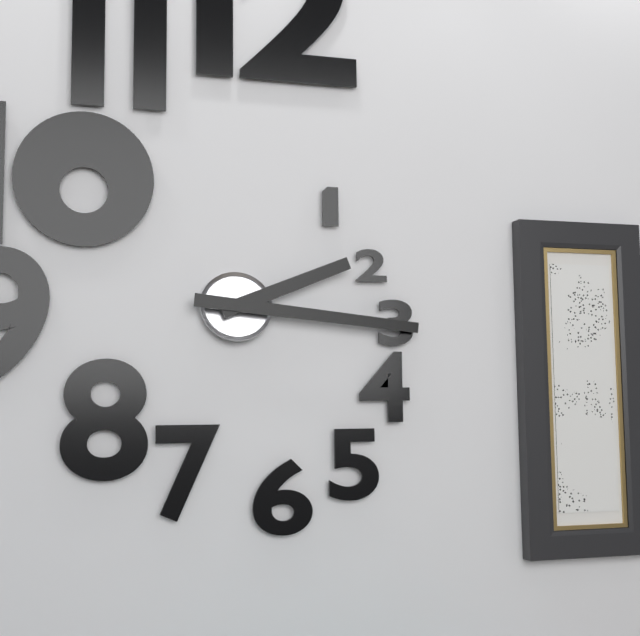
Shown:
2.16
